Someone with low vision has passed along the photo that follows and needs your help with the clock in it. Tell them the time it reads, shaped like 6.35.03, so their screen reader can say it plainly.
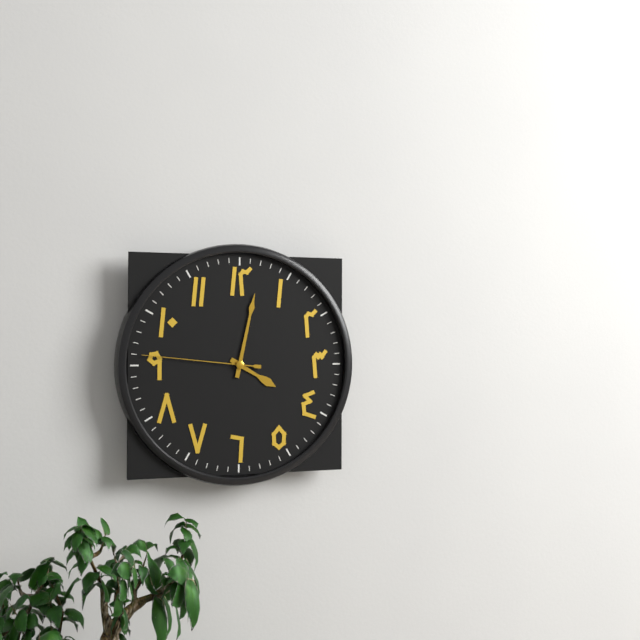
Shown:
4.02.46
